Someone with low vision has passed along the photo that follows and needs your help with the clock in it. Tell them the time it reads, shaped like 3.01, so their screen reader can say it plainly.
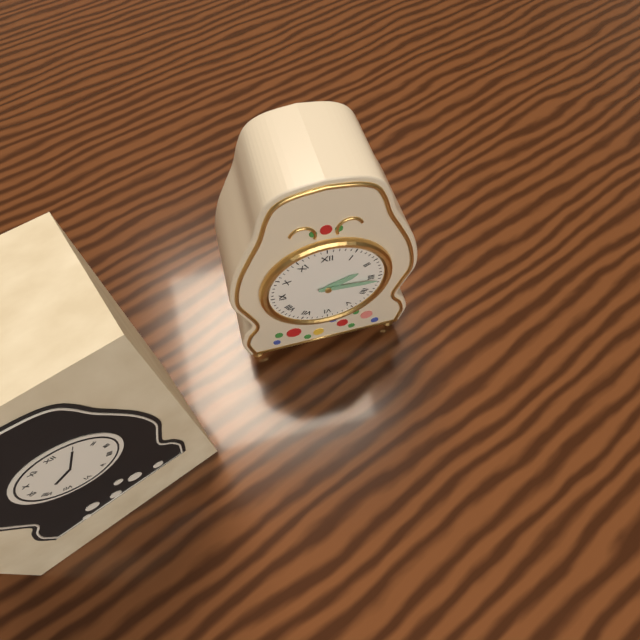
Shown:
2.16
